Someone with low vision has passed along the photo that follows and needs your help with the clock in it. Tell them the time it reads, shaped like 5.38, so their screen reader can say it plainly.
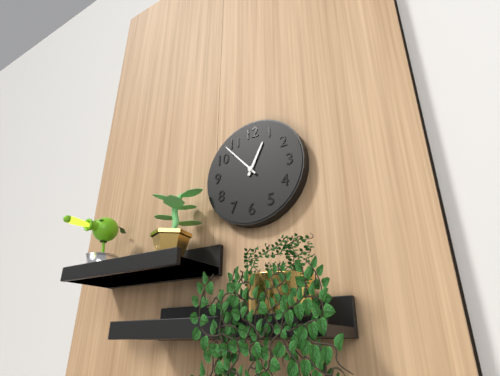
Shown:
12.53
